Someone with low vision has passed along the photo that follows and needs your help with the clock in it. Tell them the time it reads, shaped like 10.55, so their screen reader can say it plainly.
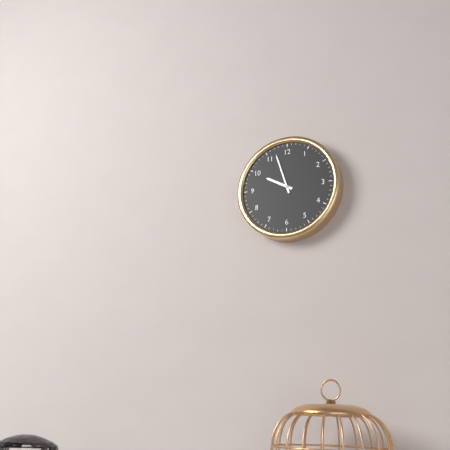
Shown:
9.57
